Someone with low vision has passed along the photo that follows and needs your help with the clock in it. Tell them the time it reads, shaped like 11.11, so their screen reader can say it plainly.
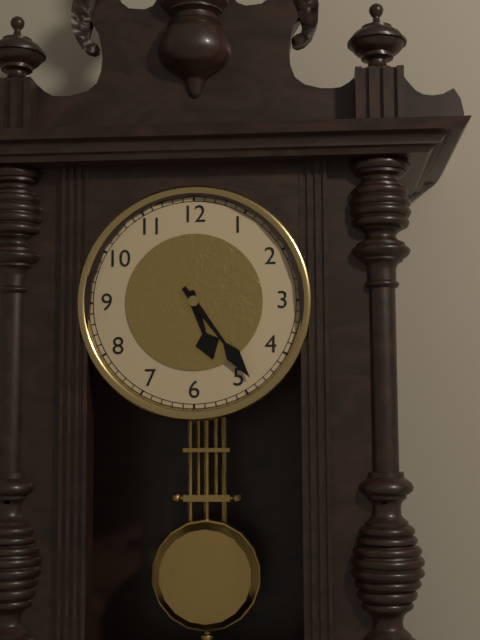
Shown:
5.24
